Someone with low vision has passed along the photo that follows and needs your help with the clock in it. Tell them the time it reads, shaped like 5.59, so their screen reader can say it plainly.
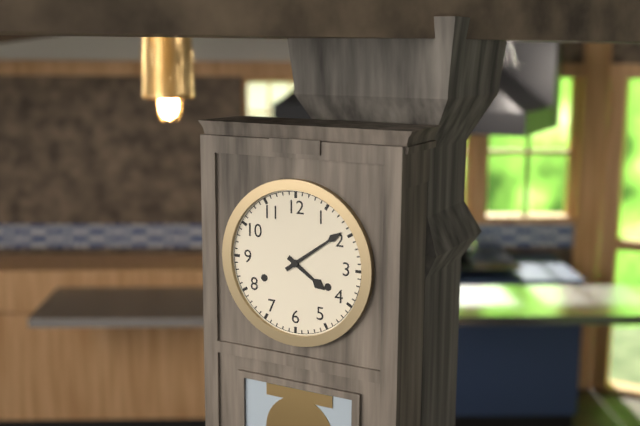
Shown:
4.09
